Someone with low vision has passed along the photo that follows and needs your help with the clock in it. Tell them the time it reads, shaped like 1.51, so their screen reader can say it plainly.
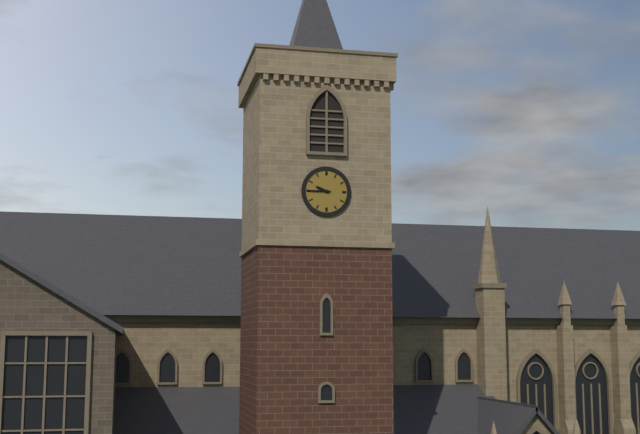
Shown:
9.45
